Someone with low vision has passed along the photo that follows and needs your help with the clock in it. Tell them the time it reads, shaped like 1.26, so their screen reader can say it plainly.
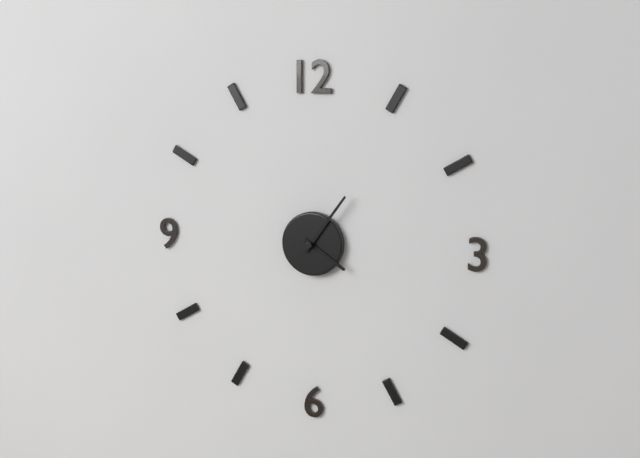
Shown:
4.06
